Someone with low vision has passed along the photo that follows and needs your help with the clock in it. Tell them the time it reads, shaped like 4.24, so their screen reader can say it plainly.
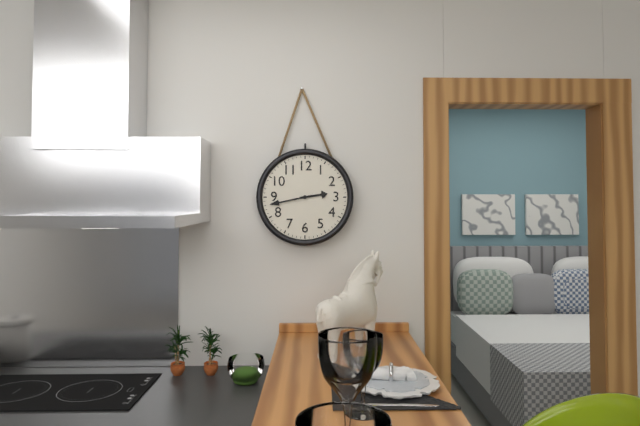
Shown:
2.43
